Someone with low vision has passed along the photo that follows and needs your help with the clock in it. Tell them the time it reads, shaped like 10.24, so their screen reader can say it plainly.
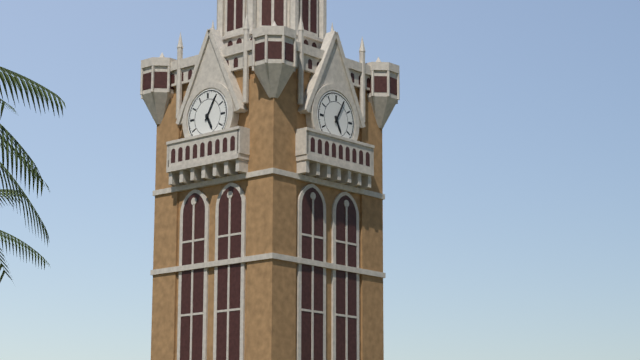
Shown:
5.05
